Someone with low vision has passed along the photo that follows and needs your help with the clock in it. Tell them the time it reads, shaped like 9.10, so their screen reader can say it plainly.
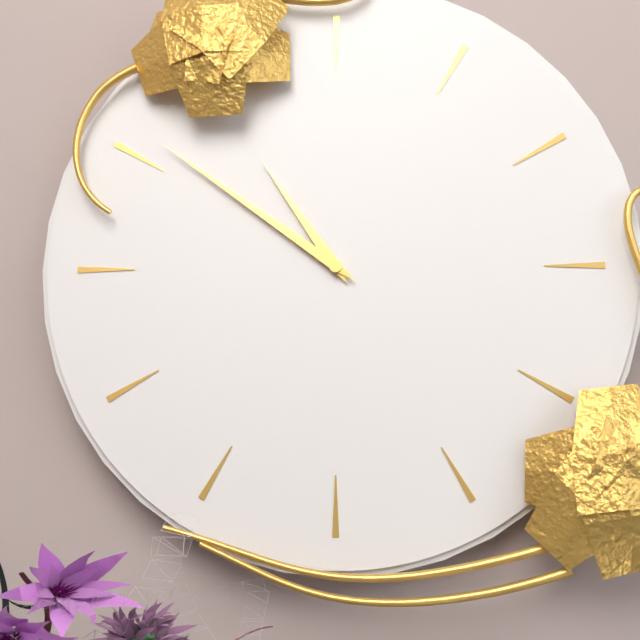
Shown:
10.51
